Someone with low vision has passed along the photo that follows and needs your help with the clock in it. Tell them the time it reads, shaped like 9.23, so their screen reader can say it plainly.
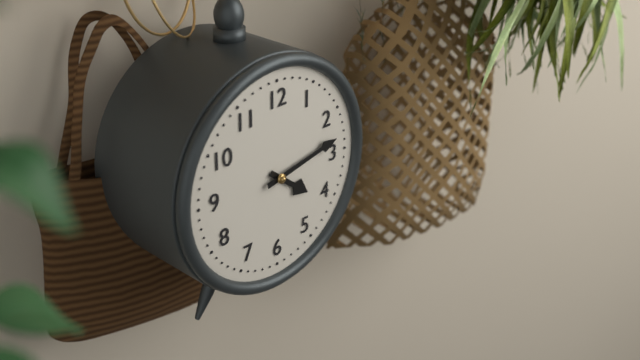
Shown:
4.13
